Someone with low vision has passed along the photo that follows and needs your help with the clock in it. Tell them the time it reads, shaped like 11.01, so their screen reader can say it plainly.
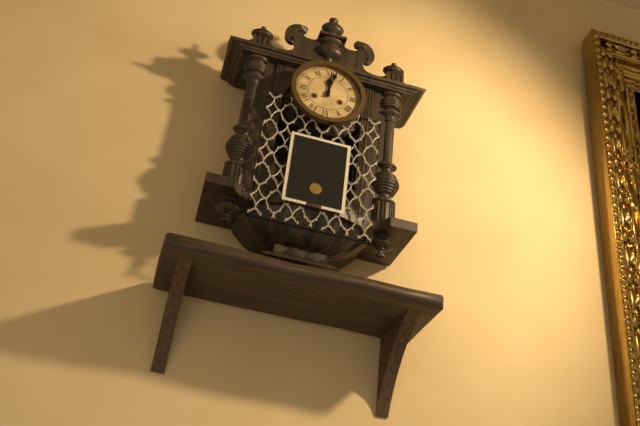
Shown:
12.02
